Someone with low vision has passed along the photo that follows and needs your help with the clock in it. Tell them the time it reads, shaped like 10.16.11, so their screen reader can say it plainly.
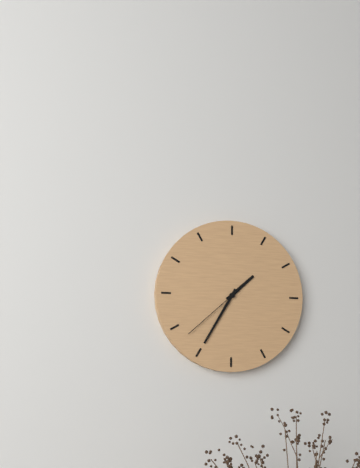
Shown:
1.35.38
